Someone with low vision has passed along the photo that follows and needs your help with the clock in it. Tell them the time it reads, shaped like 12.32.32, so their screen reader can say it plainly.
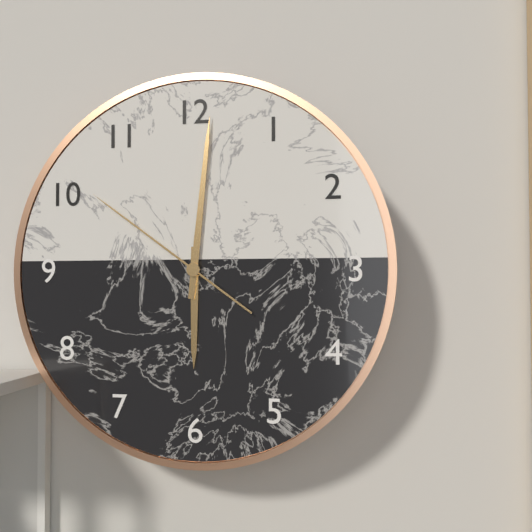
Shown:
6.01.51
